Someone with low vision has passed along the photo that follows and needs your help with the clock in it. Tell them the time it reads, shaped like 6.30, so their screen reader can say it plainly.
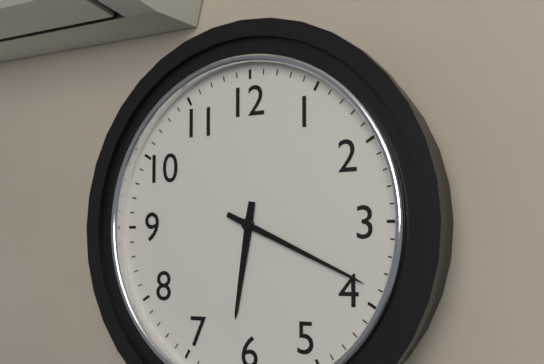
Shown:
6.19
